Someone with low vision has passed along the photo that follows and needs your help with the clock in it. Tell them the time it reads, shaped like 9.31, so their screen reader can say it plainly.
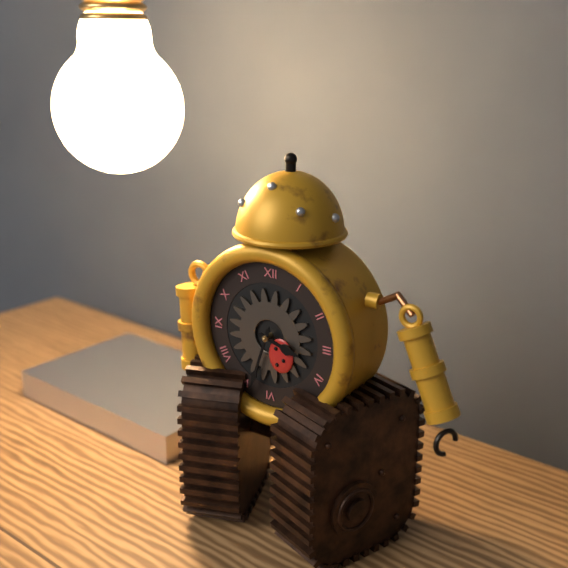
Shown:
3.33
